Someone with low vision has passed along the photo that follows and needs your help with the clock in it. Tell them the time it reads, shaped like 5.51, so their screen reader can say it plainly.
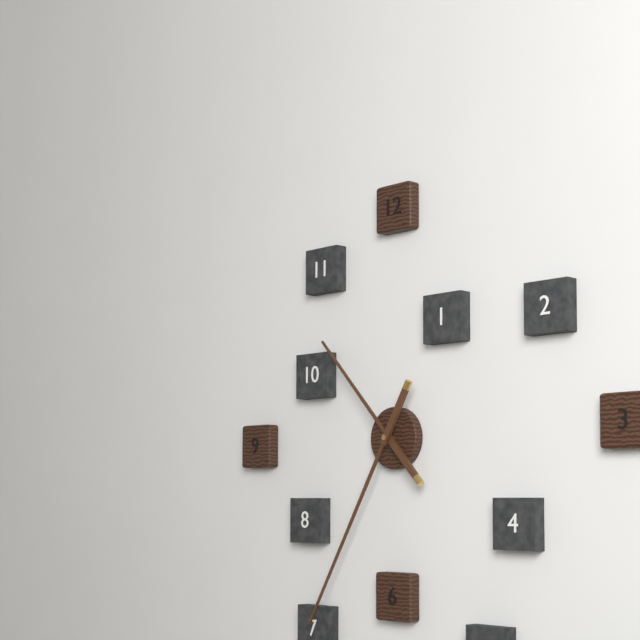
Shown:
10.35
